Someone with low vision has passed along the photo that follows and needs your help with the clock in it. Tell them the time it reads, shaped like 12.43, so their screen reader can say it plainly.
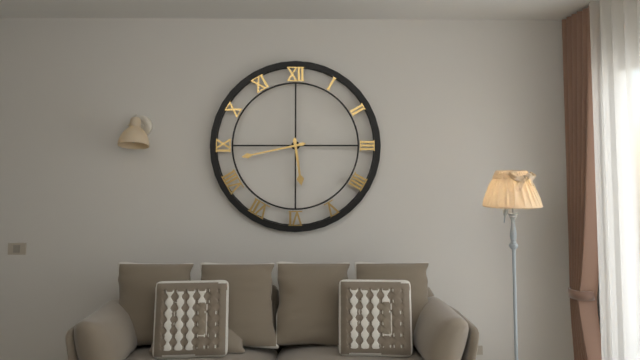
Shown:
5.43
